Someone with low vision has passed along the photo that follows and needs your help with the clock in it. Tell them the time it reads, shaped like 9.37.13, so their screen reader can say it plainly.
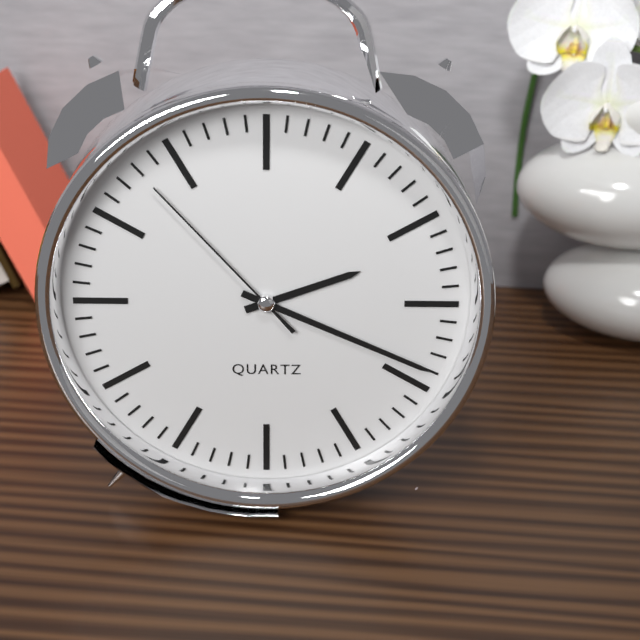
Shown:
2.19.53
